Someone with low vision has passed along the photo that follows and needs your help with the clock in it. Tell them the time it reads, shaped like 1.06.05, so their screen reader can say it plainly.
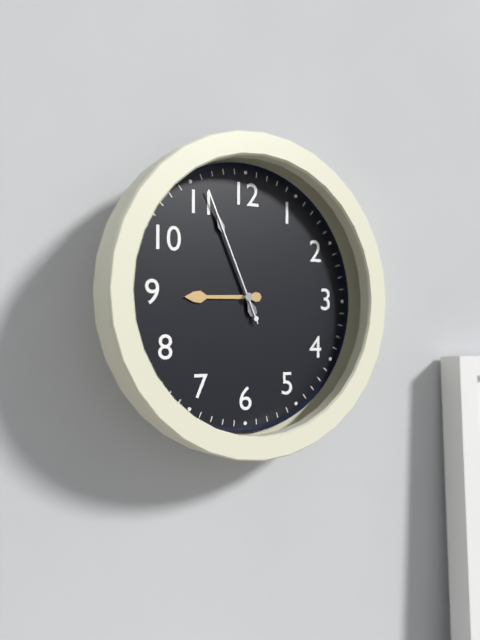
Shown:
8.56.56
